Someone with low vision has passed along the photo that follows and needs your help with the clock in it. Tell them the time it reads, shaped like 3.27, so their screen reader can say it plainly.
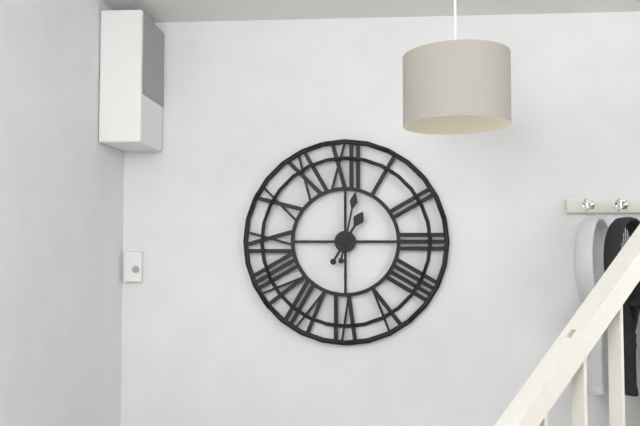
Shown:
1.02
